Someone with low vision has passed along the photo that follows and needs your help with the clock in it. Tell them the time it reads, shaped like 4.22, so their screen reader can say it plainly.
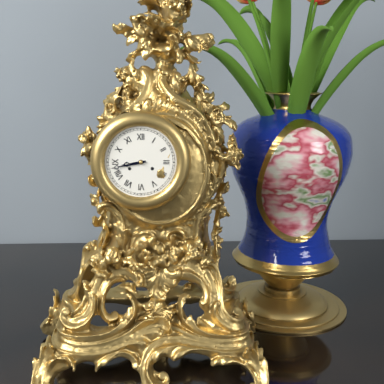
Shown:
8.43
